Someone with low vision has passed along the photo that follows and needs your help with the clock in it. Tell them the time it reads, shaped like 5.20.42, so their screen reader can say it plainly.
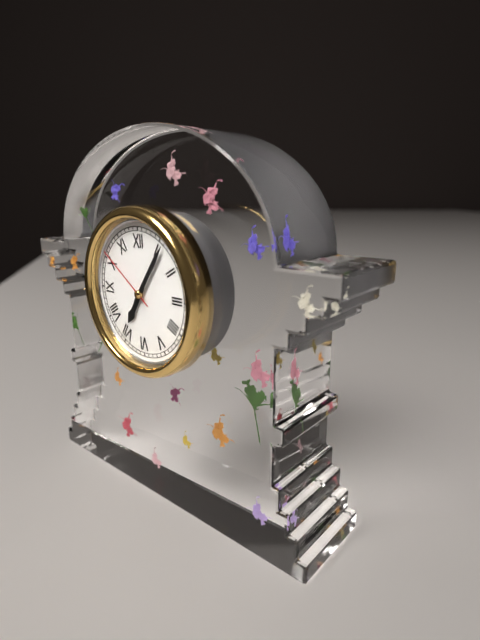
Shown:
7.06.51
